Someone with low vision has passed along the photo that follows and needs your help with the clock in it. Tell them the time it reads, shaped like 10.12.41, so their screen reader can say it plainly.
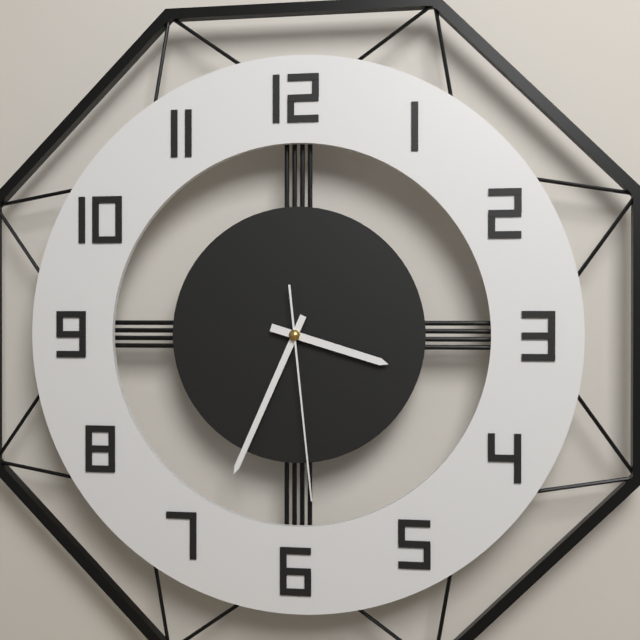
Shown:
3.34.29
